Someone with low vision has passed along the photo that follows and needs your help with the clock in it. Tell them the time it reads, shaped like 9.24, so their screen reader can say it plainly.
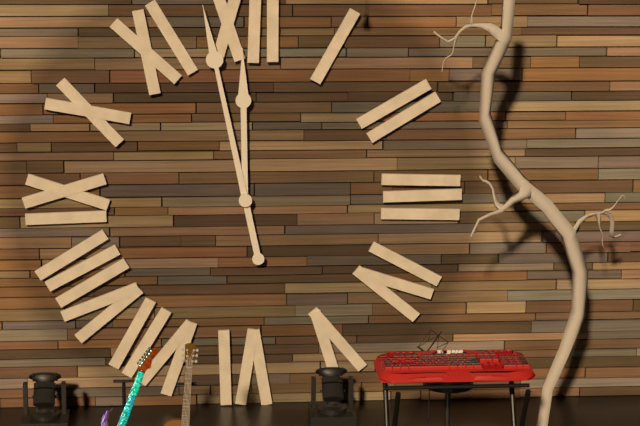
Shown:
11.58
